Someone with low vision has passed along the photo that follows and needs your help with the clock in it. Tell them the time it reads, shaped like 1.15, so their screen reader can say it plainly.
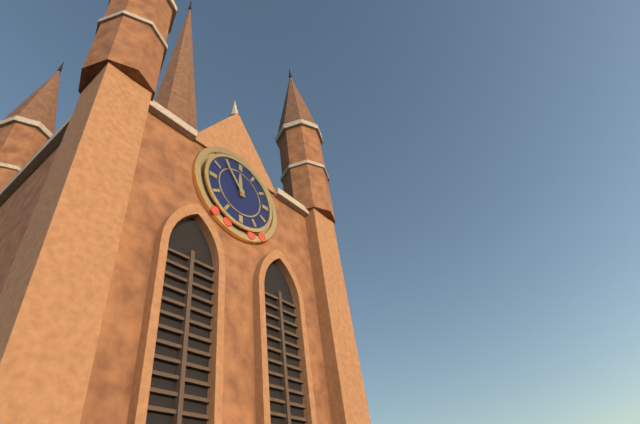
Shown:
11.54
